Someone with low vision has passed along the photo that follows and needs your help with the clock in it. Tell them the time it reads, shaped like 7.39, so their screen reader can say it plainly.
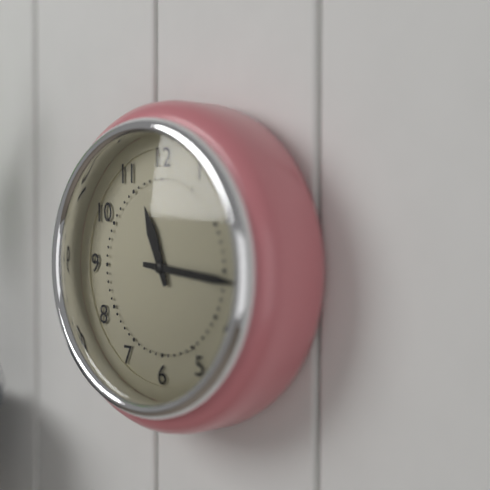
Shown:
11.16
